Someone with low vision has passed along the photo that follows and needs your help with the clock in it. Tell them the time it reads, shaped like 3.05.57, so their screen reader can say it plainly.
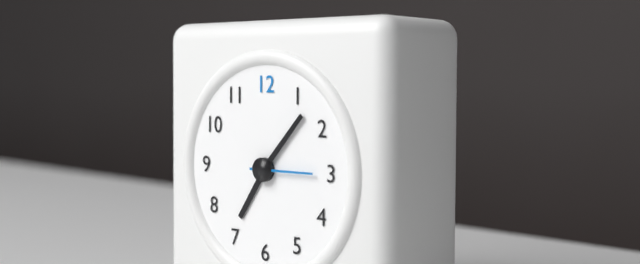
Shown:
7.07.15
